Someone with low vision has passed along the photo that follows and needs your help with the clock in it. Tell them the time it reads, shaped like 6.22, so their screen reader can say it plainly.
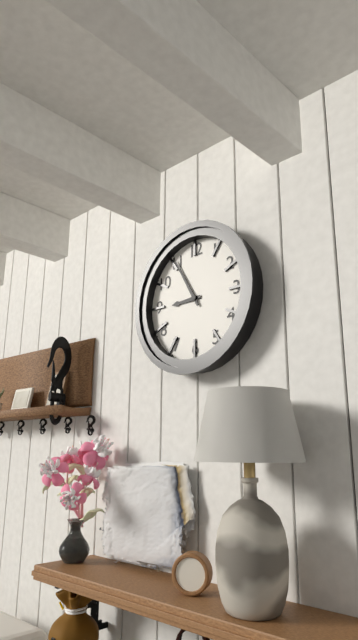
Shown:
8.55
